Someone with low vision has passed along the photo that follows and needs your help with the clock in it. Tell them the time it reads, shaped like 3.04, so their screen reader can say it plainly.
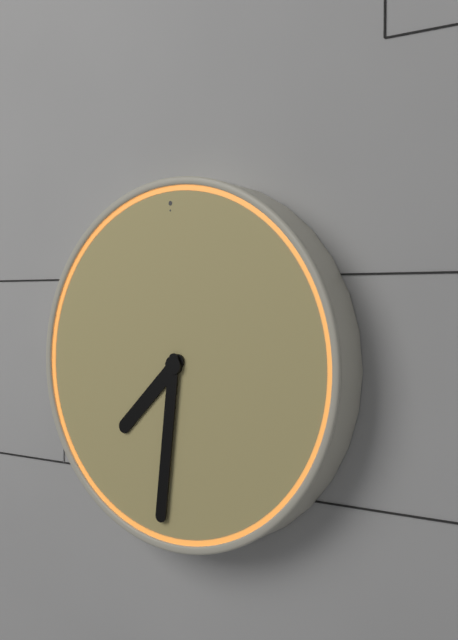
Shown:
7.31
